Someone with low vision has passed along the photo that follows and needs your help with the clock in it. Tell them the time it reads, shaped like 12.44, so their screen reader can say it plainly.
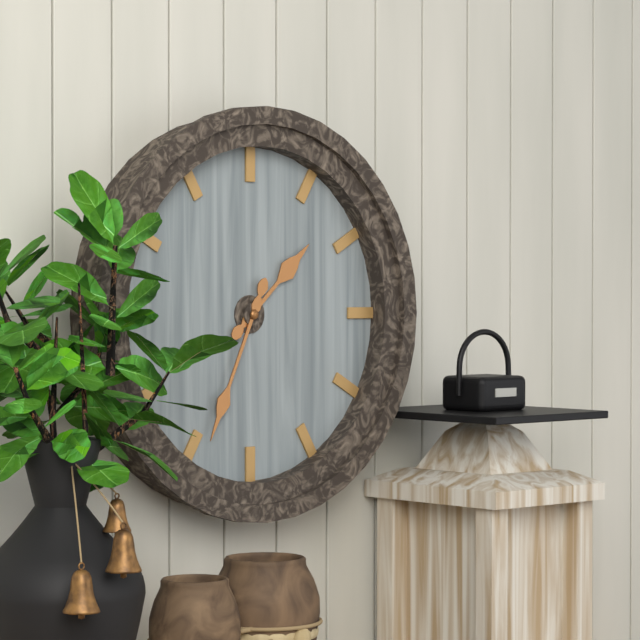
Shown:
1.34
